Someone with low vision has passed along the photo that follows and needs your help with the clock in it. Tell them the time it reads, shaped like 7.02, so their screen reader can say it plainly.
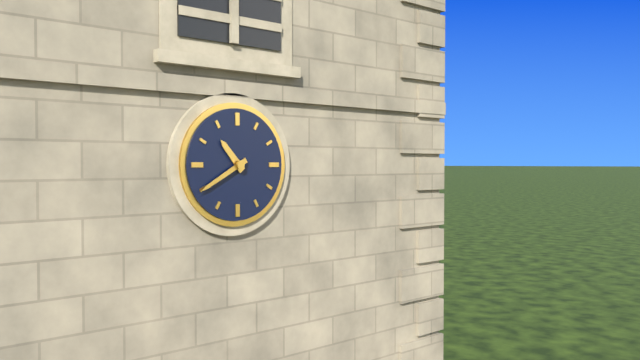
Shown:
10.40
